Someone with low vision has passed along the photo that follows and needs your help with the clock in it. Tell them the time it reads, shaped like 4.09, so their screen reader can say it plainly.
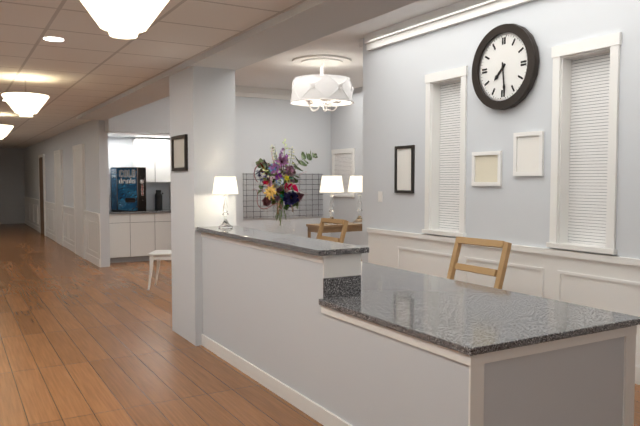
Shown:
7.29
